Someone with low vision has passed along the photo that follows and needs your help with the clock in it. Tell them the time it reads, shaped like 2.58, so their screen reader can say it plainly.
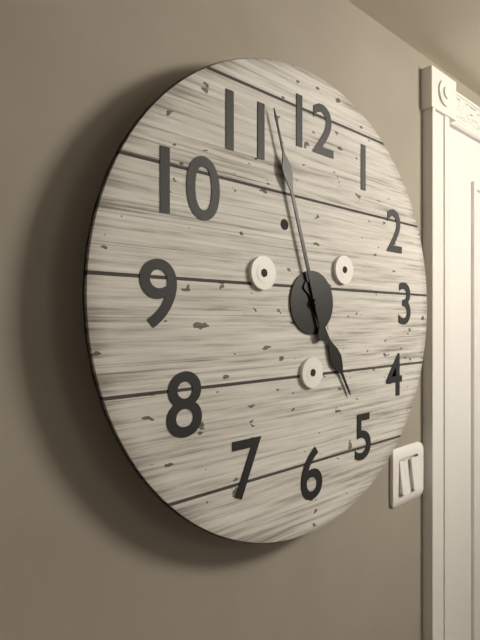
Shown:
4.57
